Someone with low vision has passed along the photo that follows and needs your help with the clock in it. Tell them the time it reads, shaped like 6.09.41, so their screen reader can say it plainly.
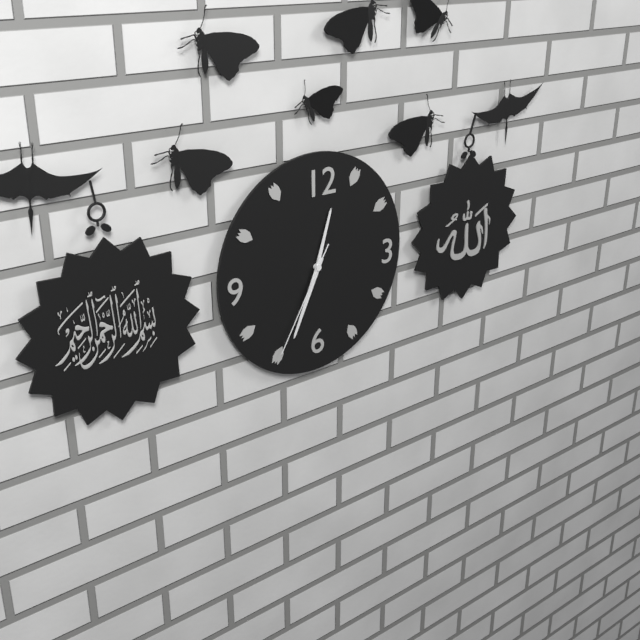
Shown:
12.34.35
